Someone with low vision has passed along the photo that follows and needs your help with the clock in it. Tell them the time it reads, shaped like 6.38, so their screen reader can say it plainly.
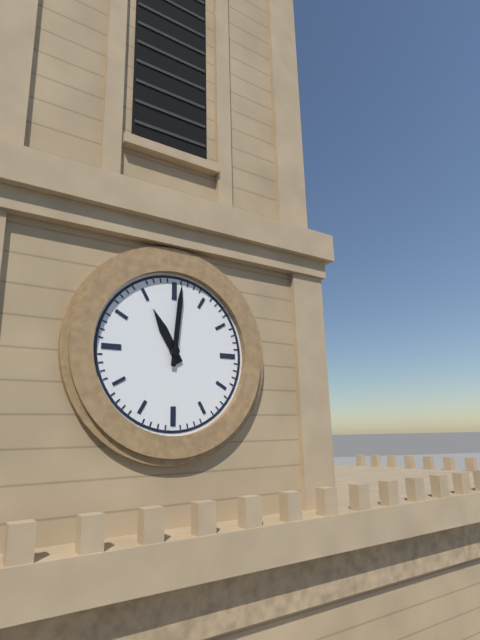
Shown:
11.01
